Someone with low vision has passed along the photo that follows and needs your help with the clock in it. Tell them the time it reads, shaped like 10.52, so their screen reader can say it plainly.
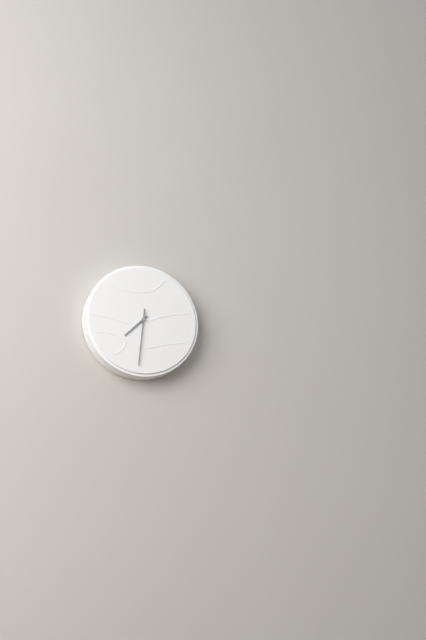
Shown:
7.31
